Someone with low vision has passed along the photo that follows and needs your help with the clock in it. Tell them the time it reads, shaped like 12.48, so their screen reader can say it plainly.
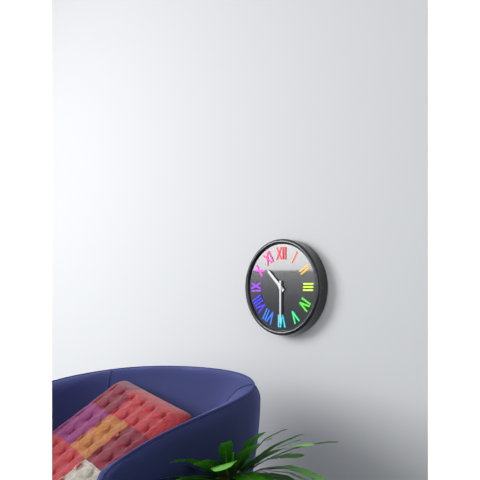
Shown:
10.30
